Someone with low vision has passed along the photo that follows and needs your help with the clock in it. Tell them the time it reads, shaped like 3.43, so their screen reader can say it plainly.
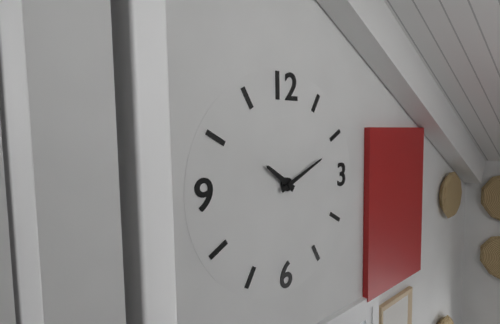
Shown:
10.11
